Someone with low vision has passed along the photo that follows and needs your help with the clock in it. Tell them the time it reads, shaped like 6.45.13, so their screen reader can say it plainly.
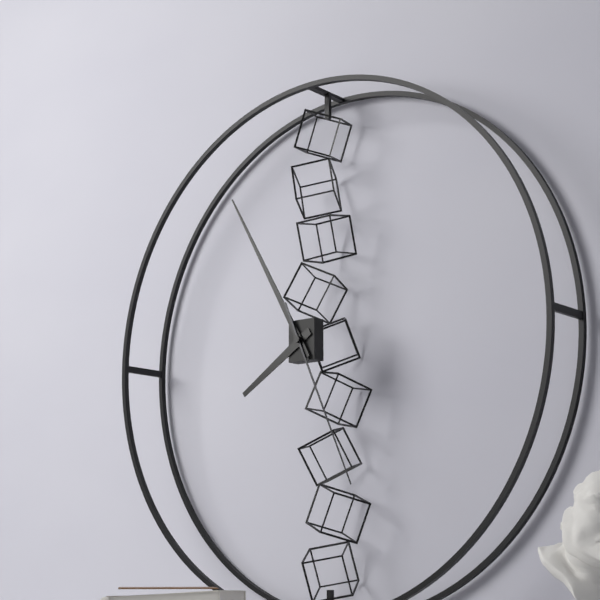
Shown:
7.55.26
